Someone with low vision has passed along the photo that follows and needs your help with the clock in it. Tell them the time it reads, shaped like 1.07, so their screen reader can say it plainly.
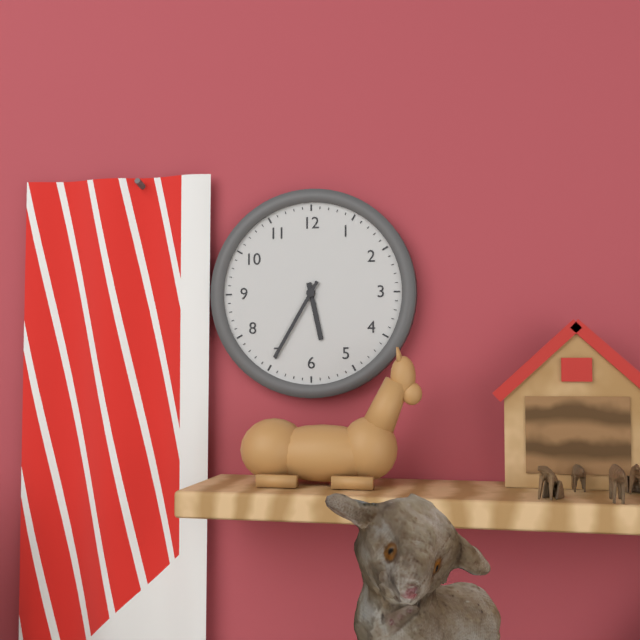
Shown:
5.35
